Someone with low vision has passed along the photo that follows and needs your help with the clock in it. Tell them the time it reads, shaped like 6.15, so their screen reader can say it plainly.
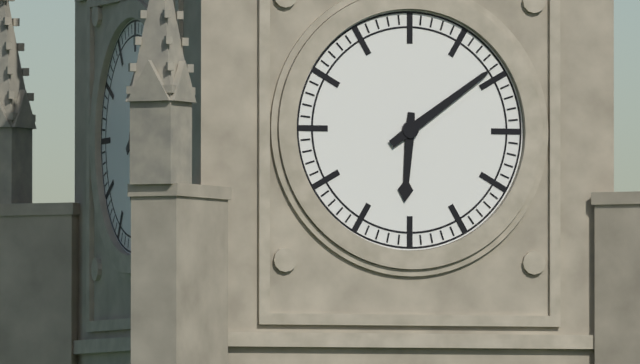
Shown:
6.09
